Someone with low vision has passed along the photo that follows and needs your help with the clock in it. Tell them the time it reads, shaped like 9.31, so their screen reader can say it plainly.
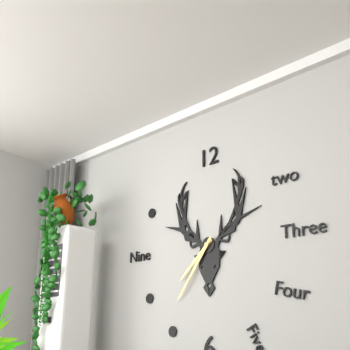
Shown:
7.36
